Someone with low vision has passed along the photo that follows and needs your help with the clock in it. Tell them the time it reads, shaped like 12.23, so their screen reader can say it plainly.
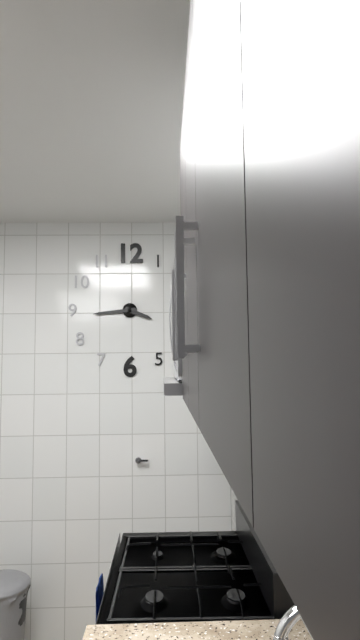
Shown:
3.44
